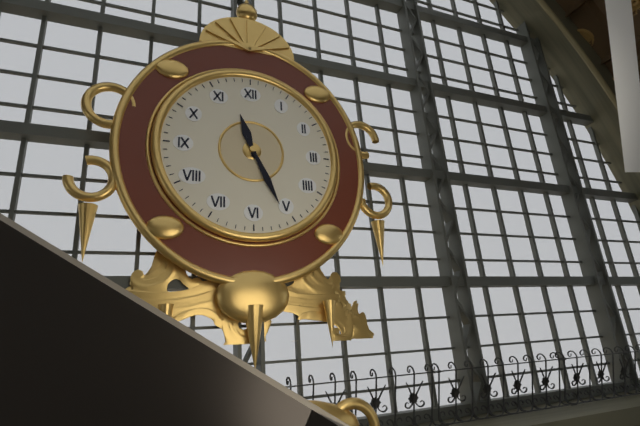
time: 11:26
